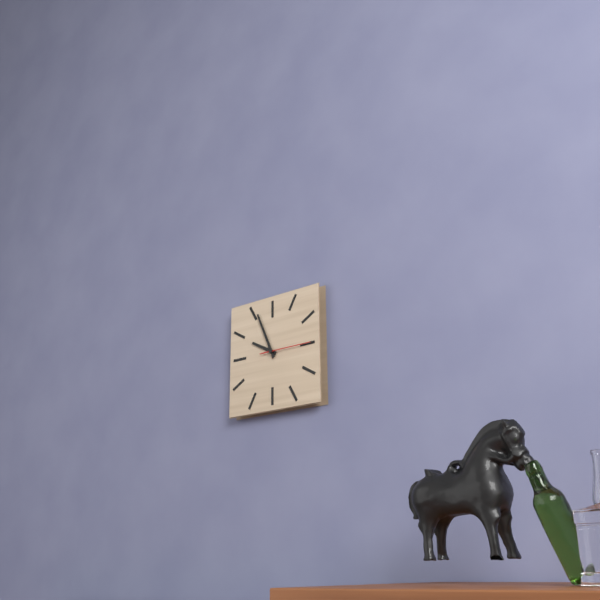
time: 9:56:15
